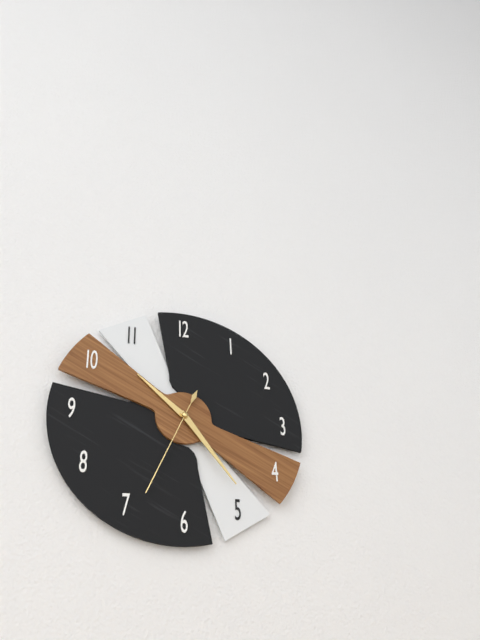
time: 10:24:34
